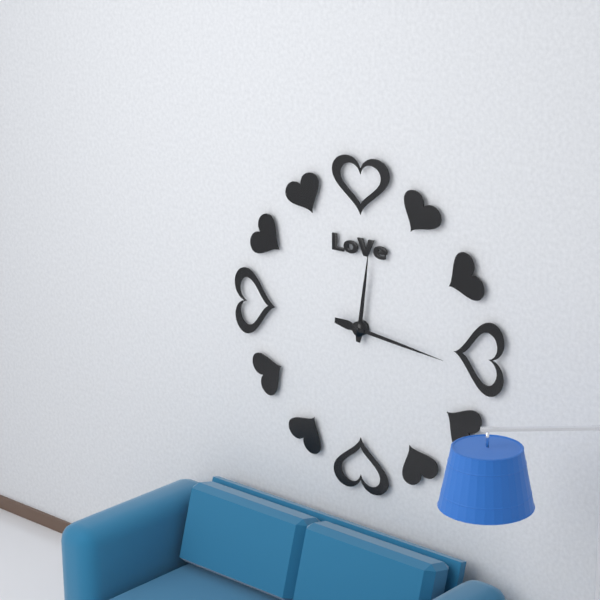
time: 12:16
